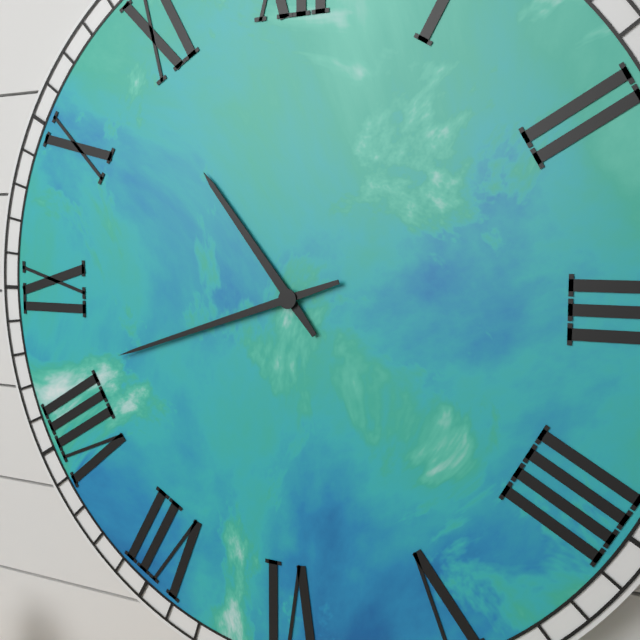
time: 10:42
